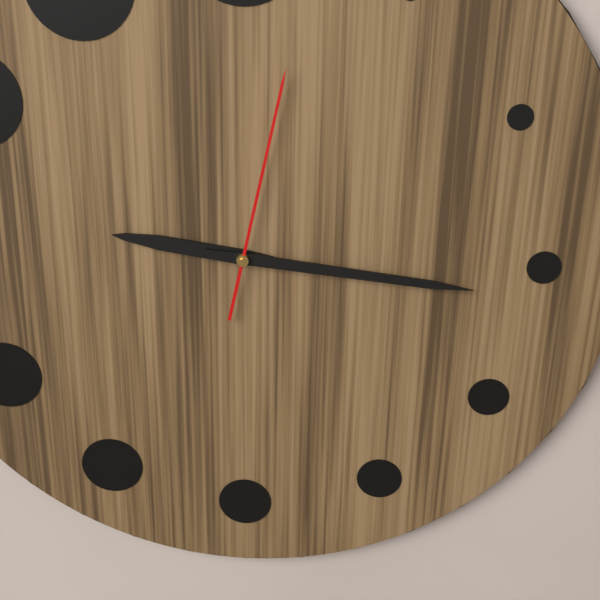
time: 9:16:02
